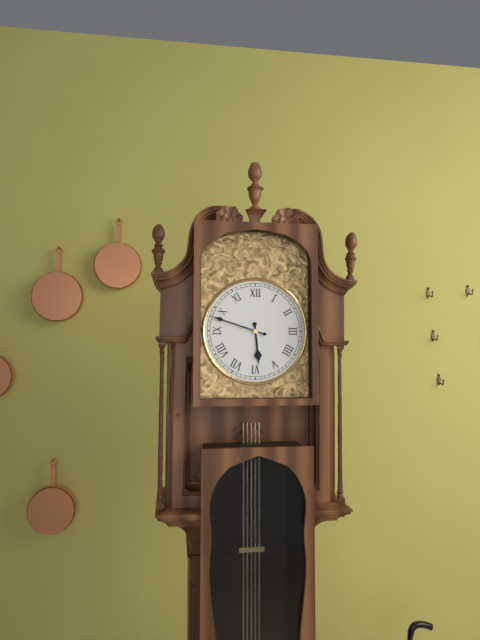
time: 5:48
